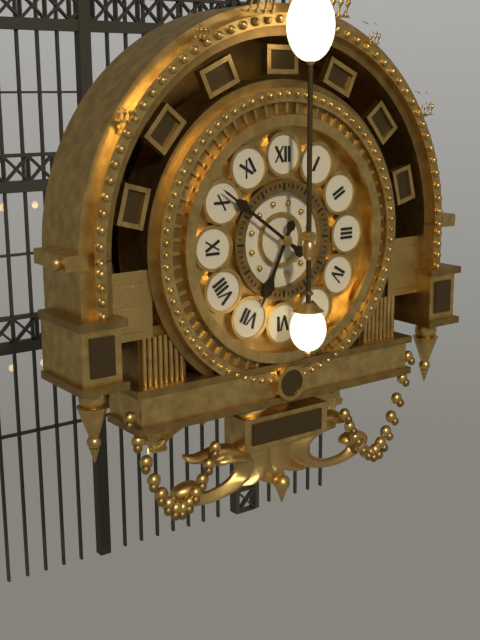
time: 6:51
